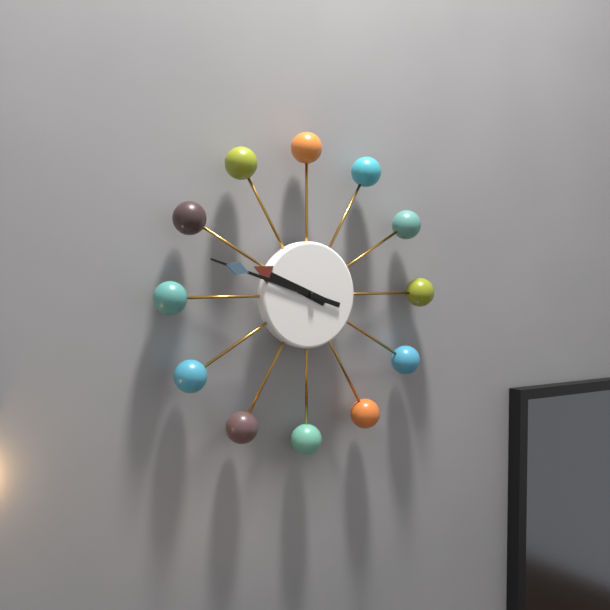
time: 9:48
